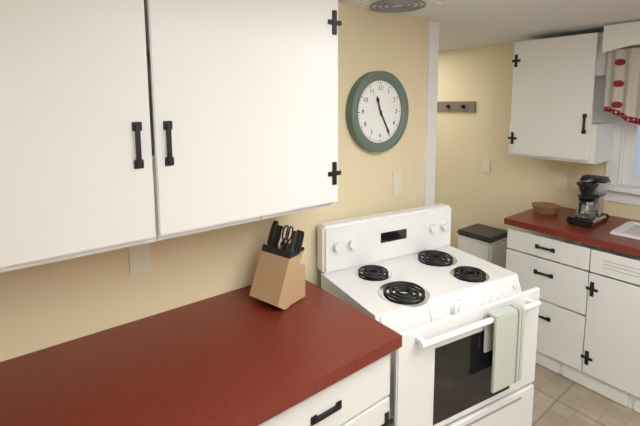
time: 11:25
